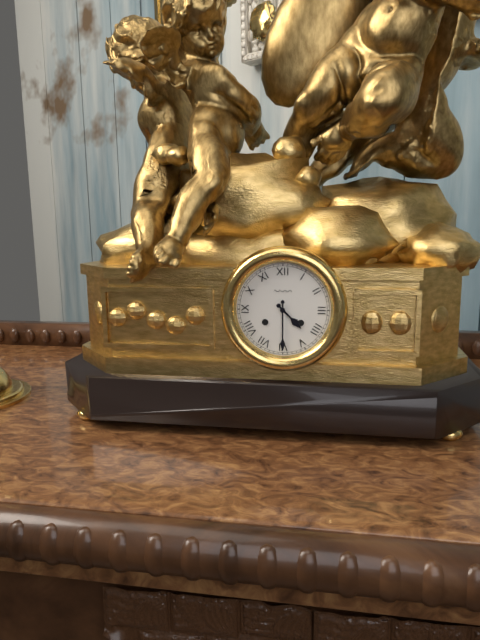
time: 4:30
